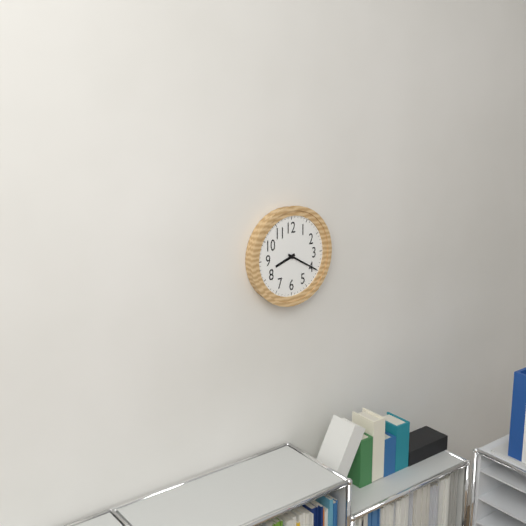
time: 8:20
